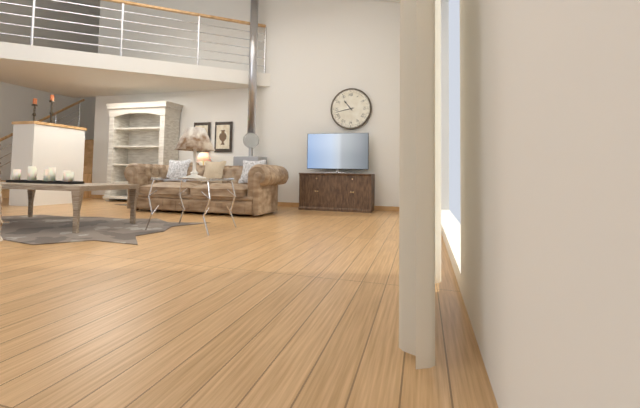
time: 10:43
